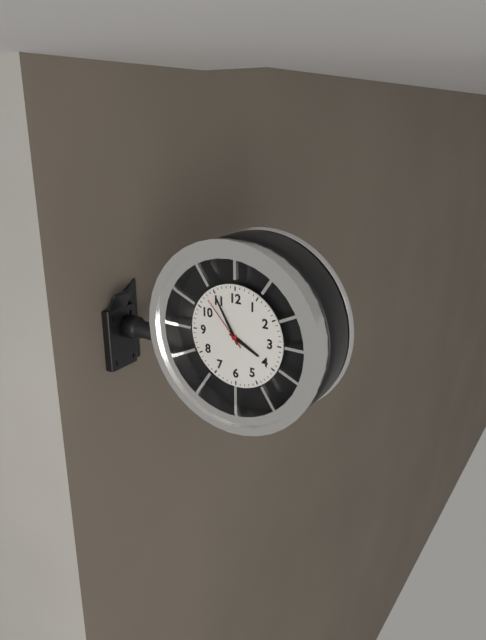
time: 3:55:53
